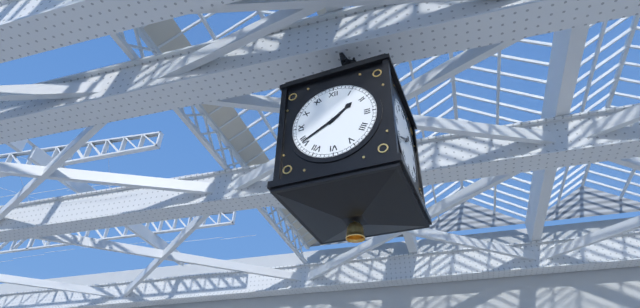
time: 1:40
